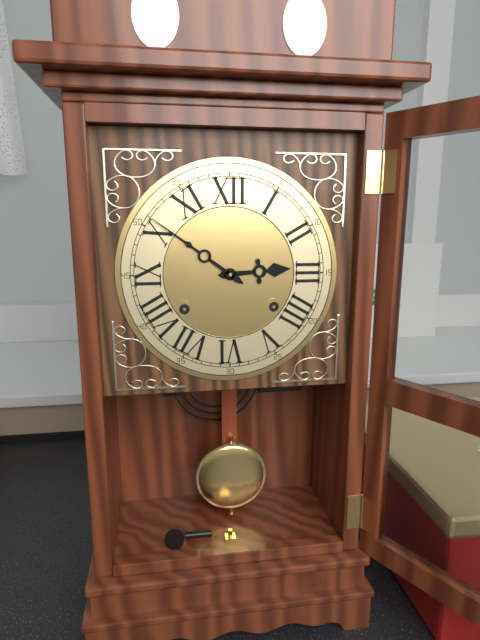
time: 2:51
